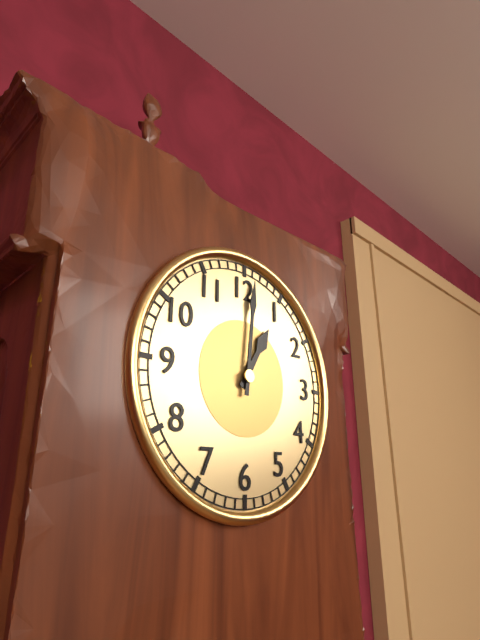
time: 1:01
